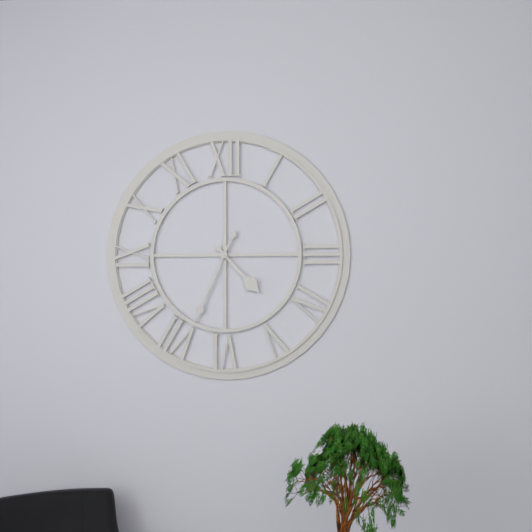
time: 4:34
